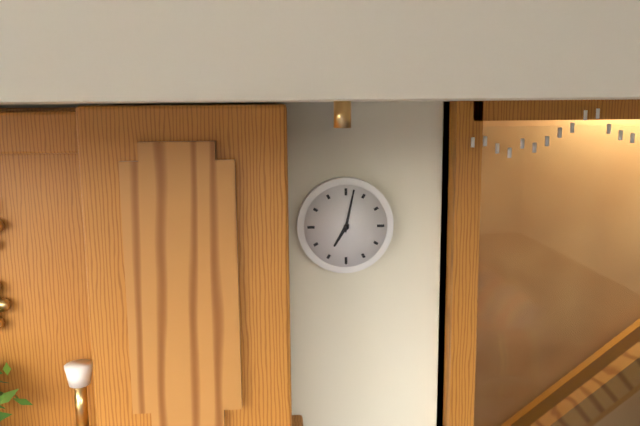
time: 7:02
